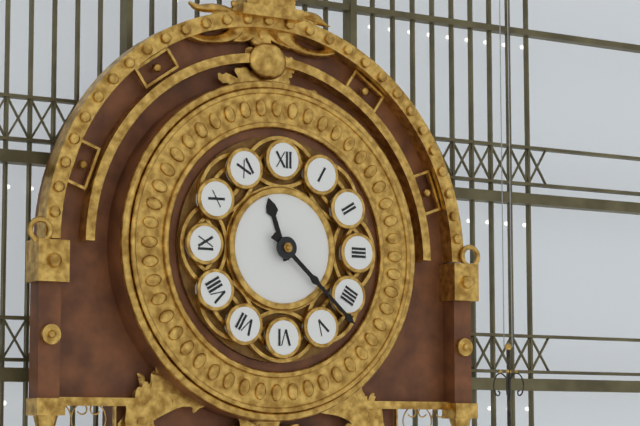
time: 11:22
